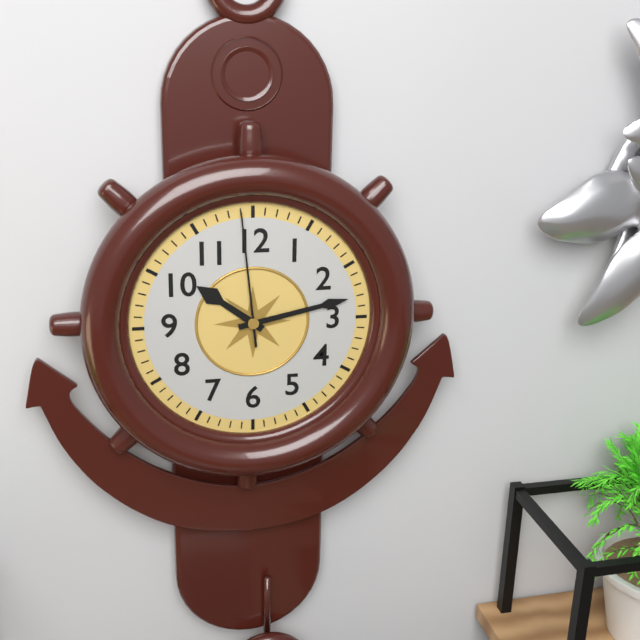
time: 10:13:59
